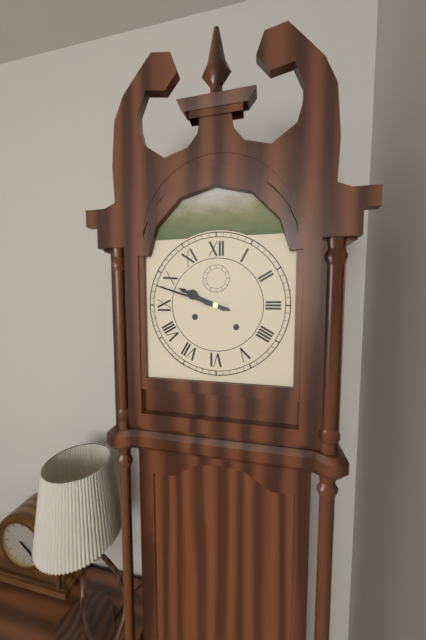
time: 9:48
